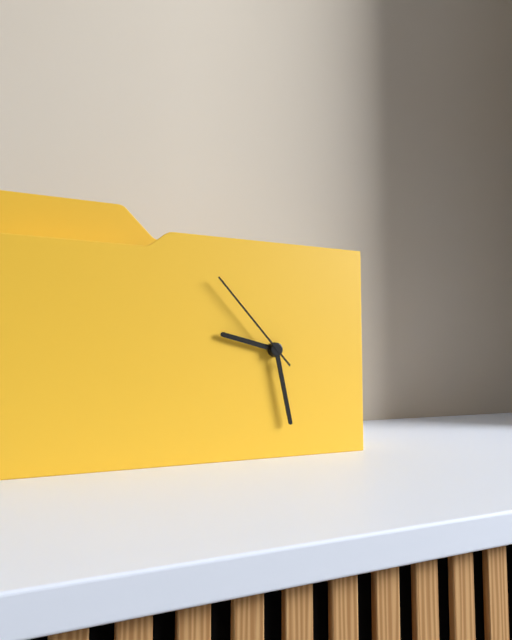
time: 9:28:53
